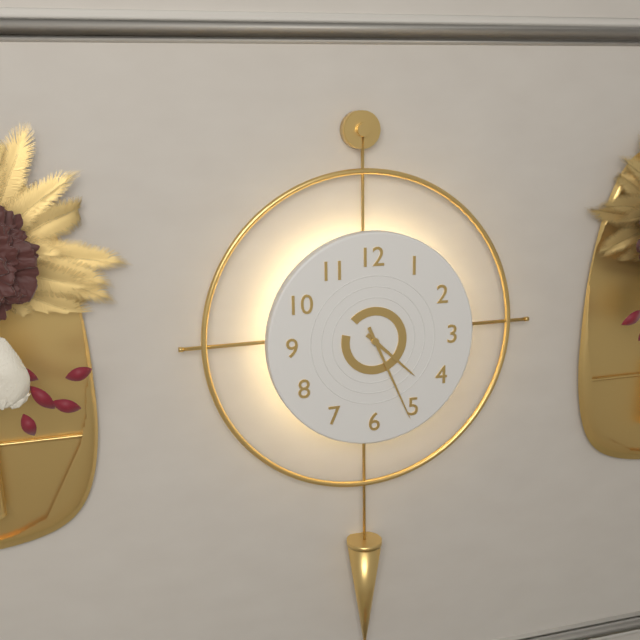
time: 4:26
